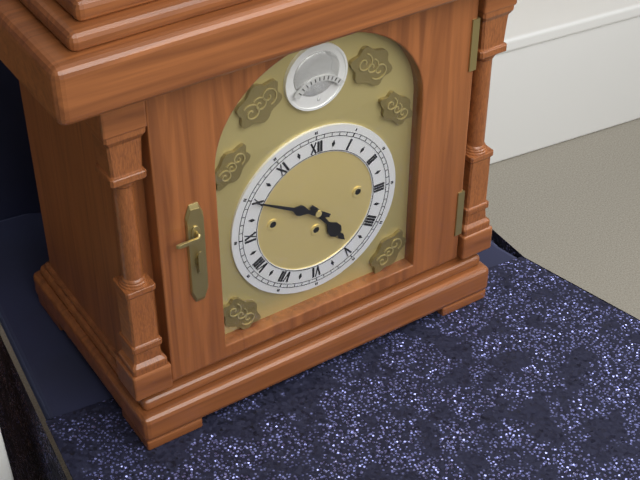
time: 4:50
